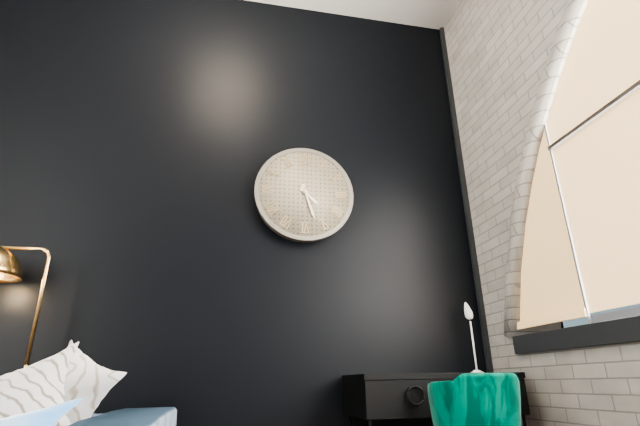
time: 4:27
